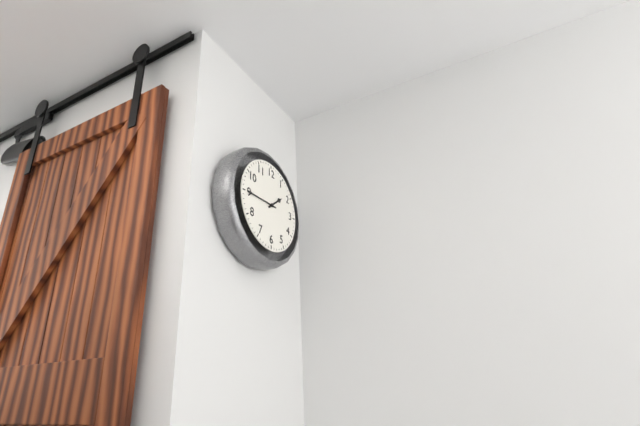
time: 1:45
